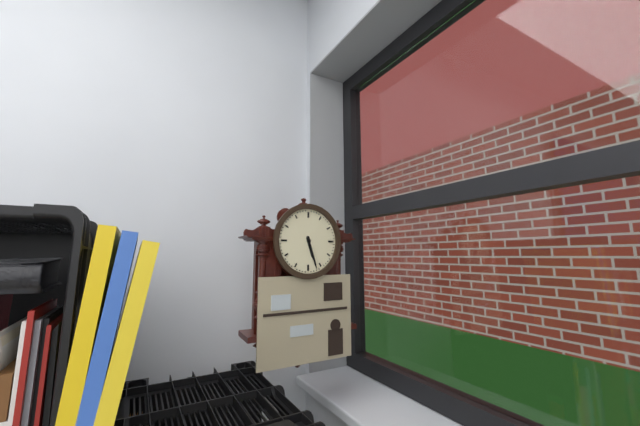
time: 5:27
